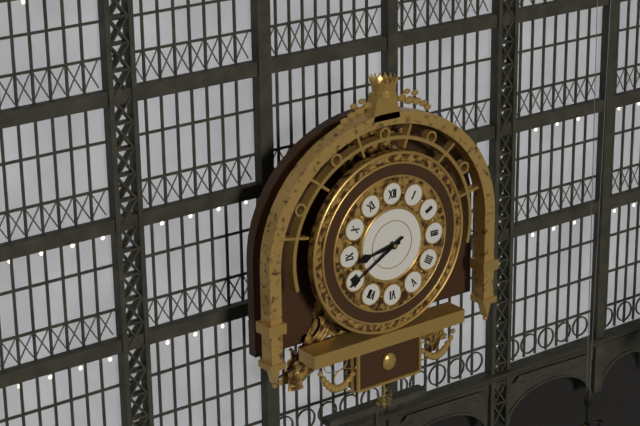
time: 8:40
